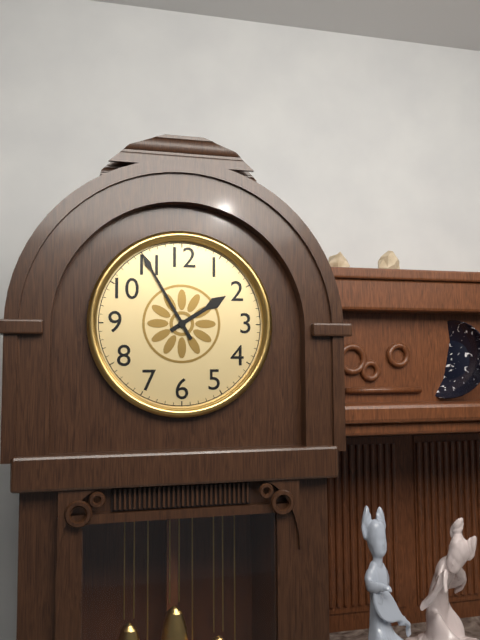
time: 1:55
